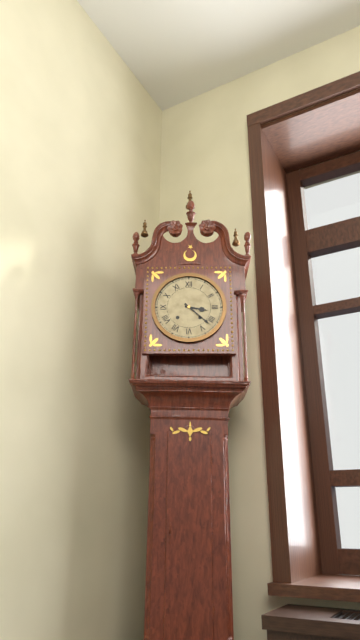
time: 3:22
